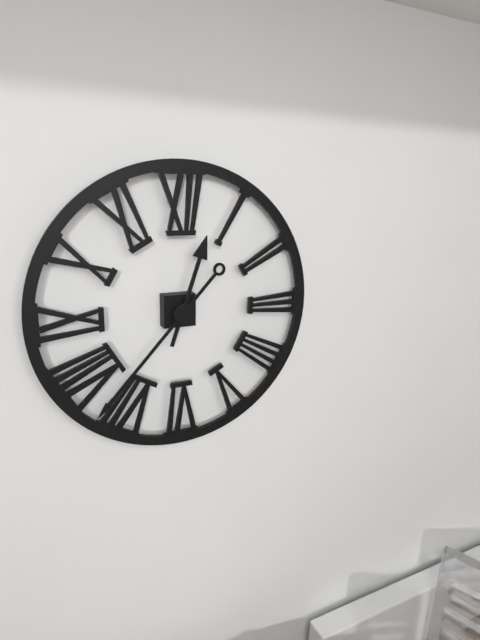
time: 12:37
